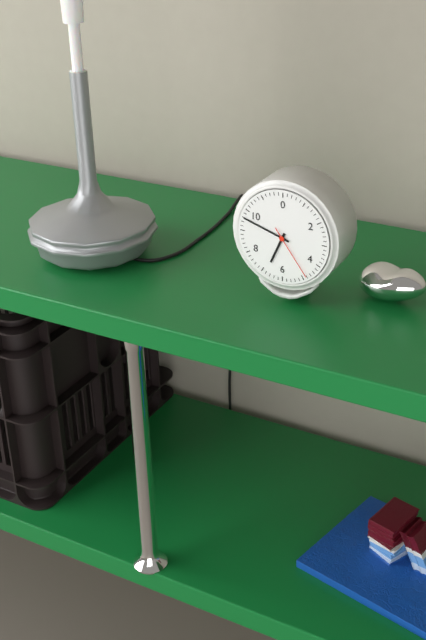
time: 6:48:24
